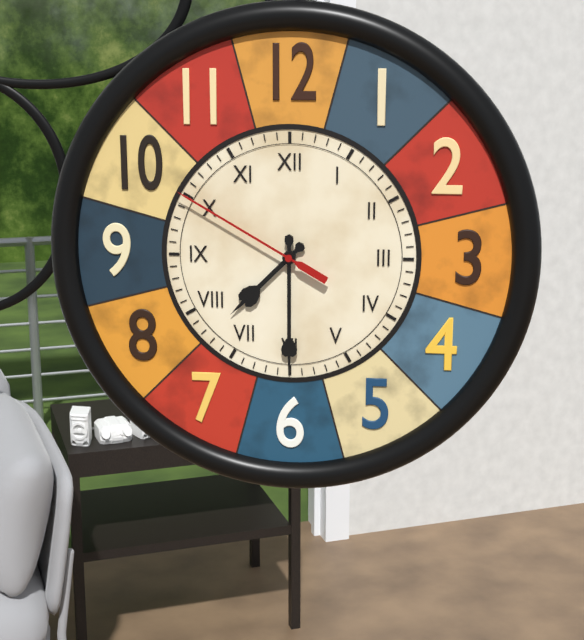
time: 7:30:50
